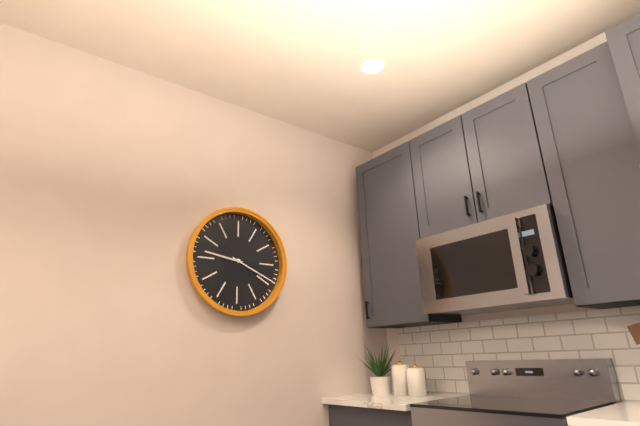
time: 9:19
